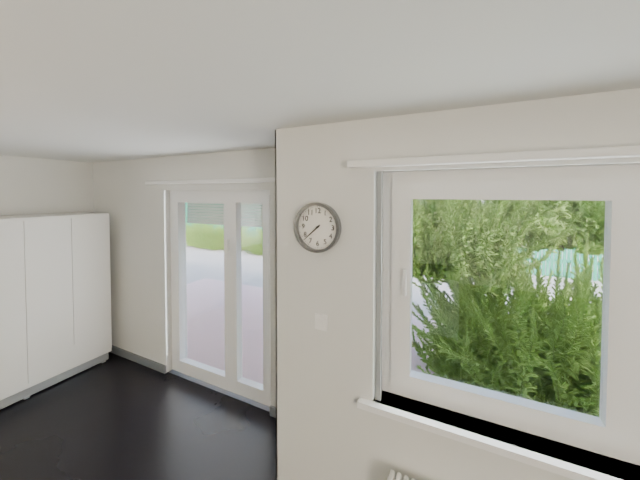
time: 7:38
